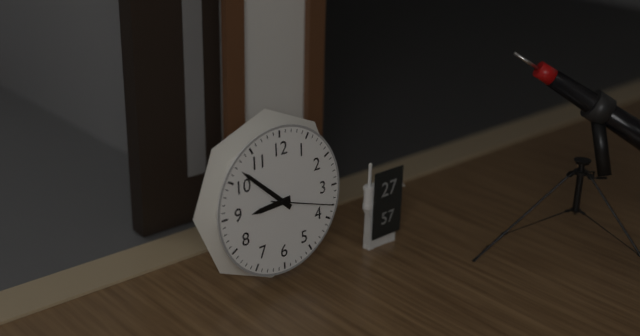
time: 8:52:18
